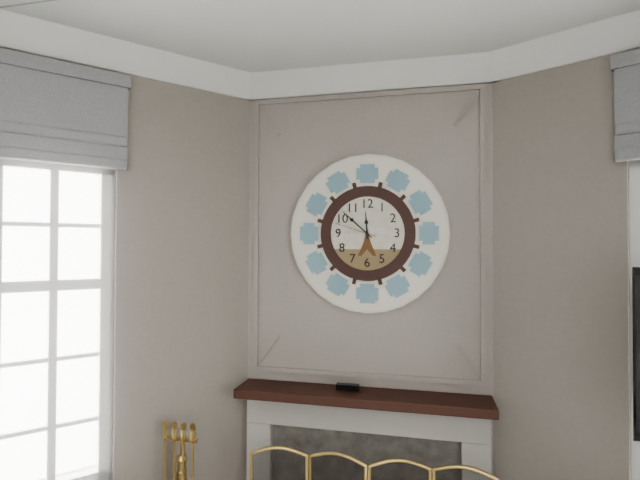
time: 11:52
